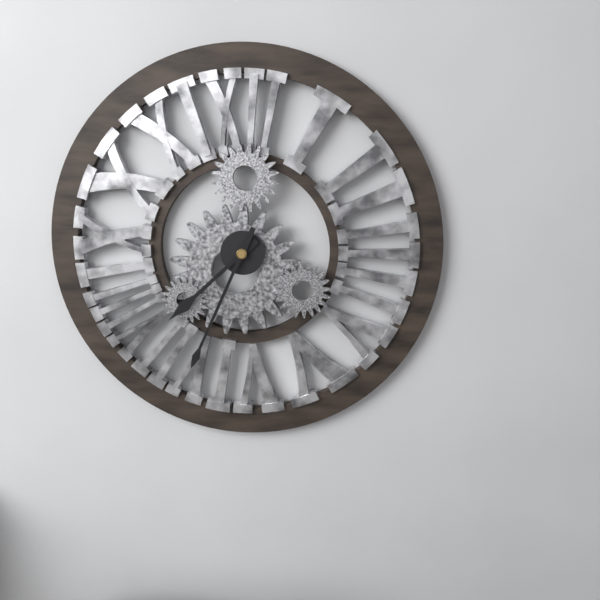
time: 7:34
